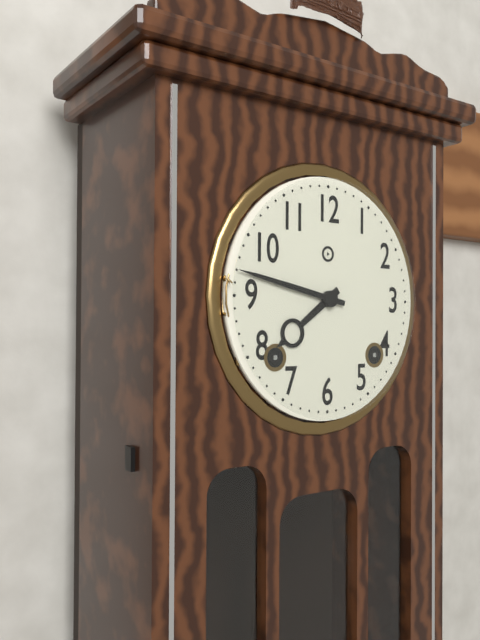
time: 7:47
